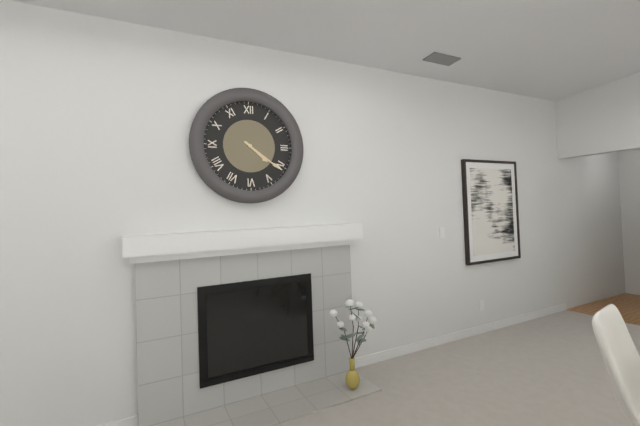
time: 4:21
